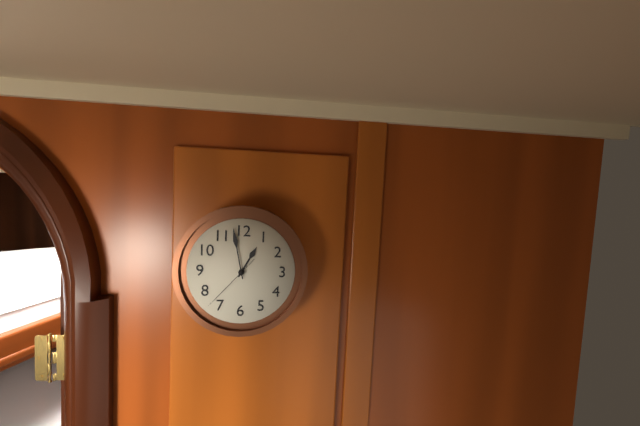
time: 12:58:37
